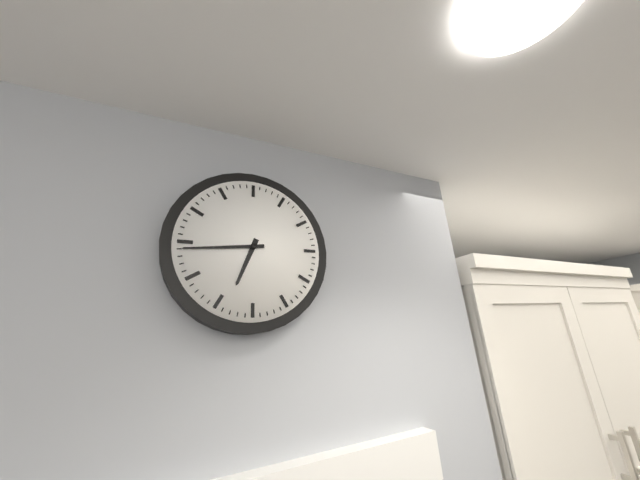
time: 6:44
